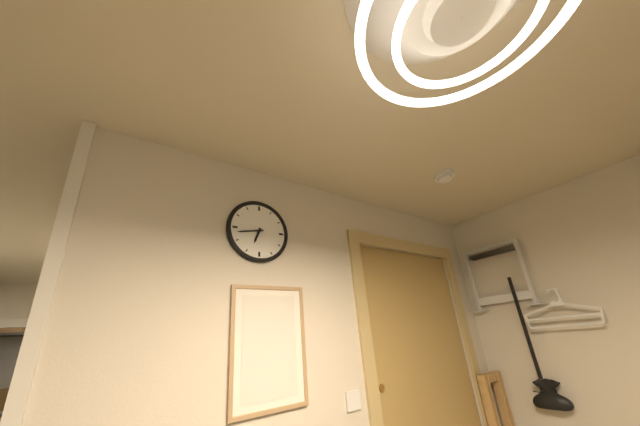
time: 6:43
